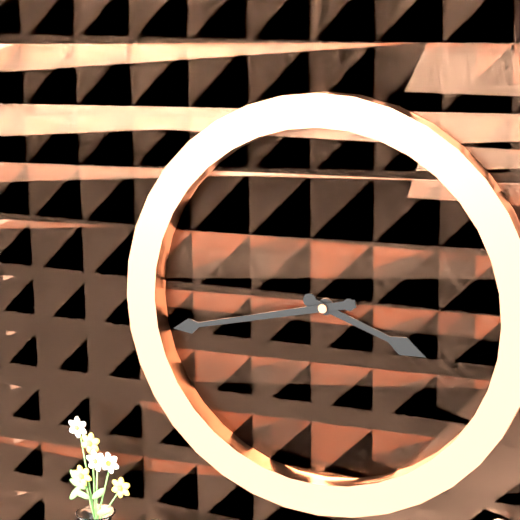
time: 3:43
